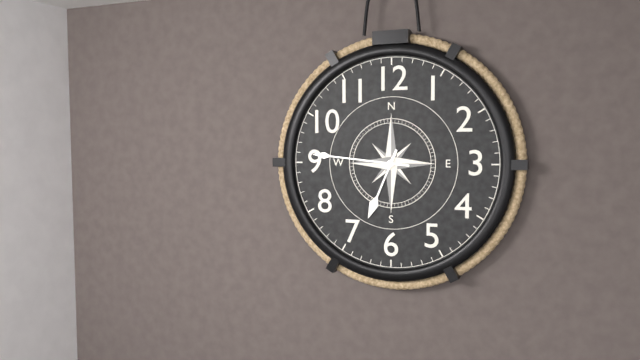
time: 6:46
